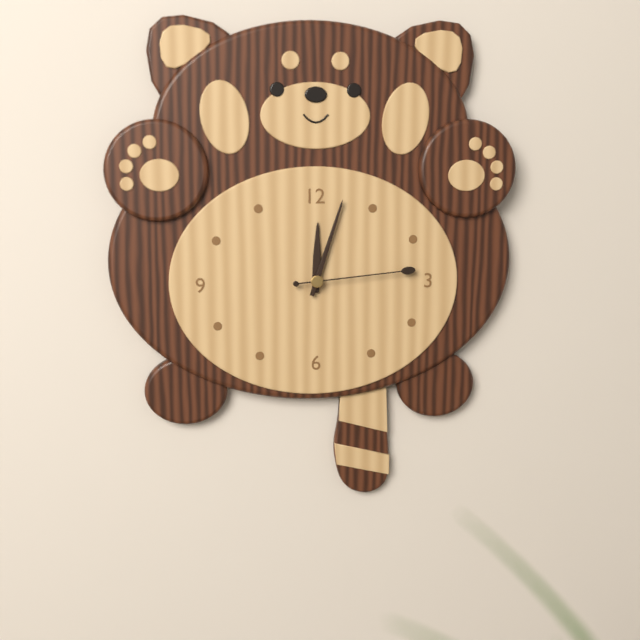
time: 12:03:14
